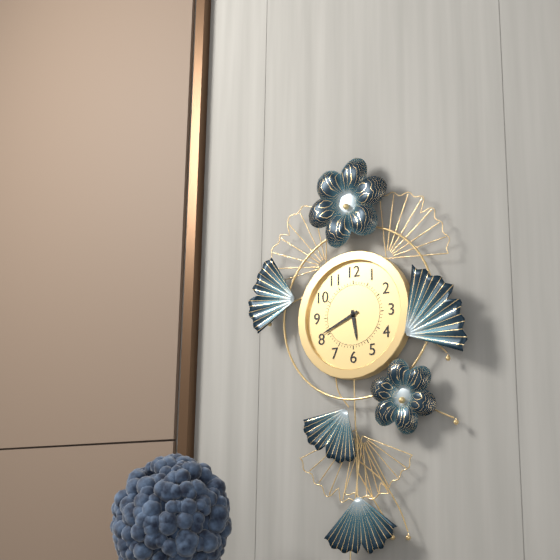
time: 5:41
